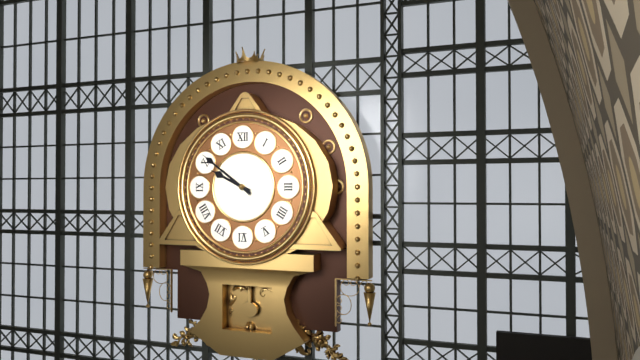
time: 9:51
